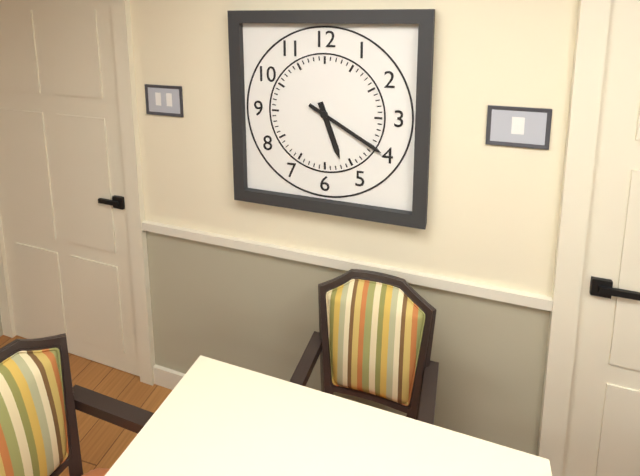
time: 5:20
